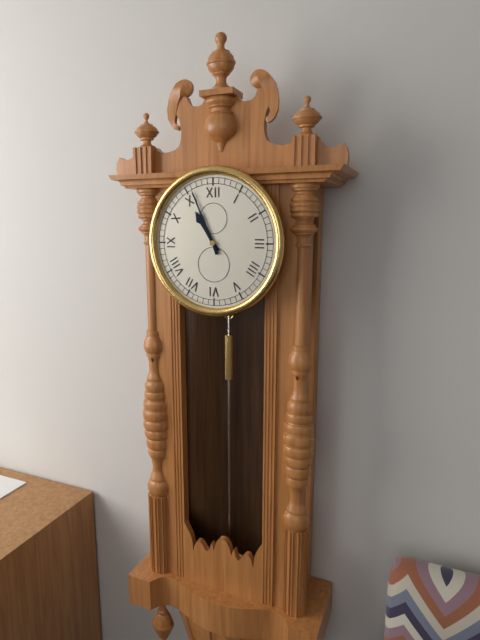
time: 10:56
